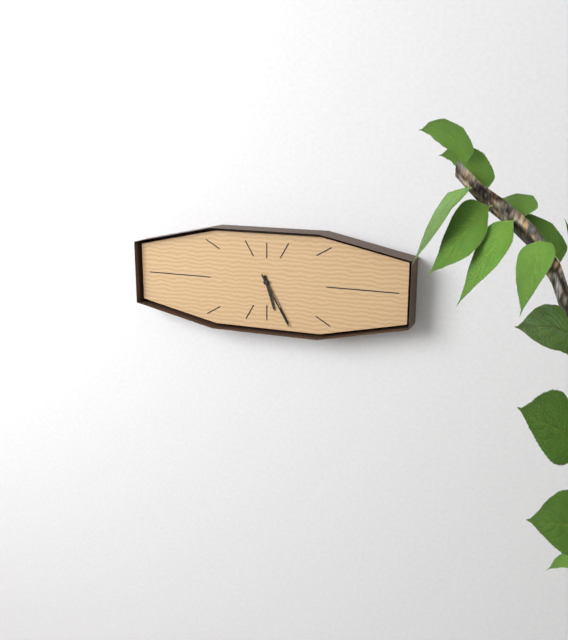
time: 5:25
